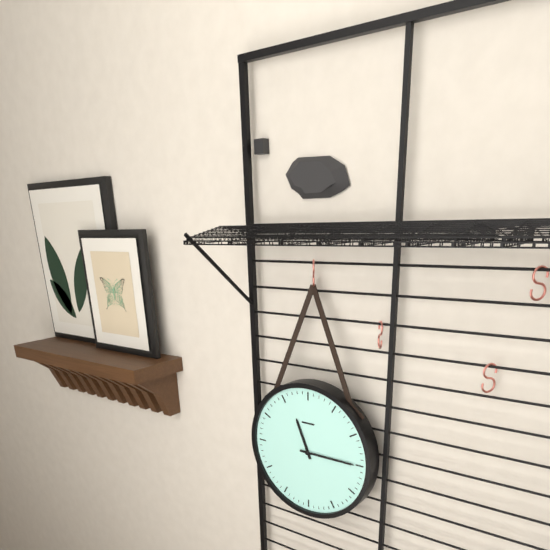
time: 11:15
